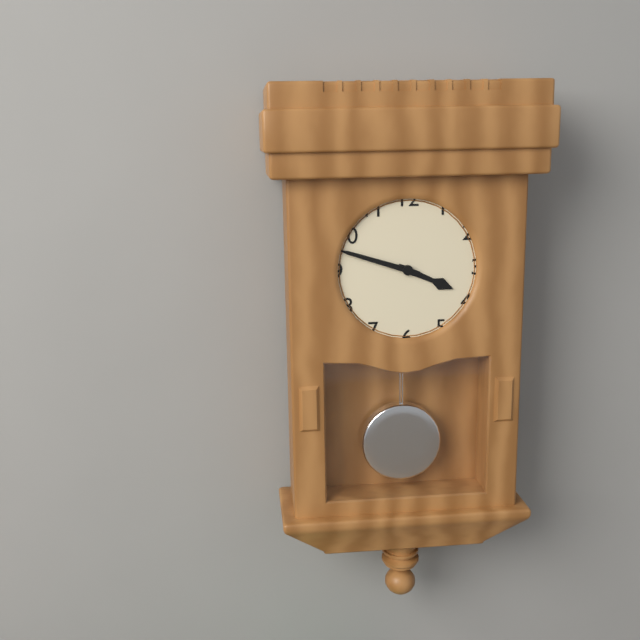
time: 3:48
